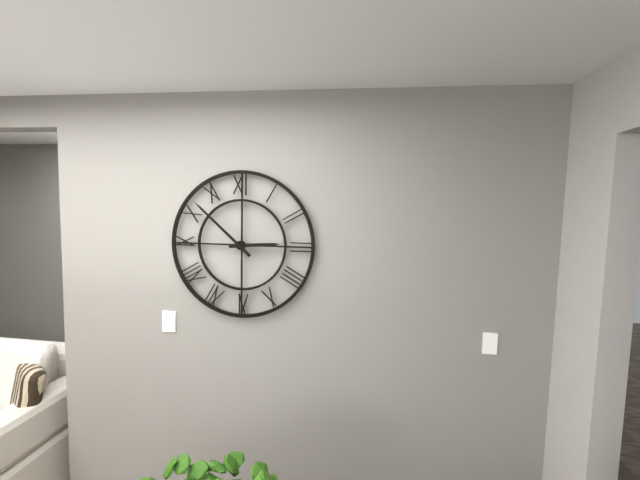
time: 2:52
